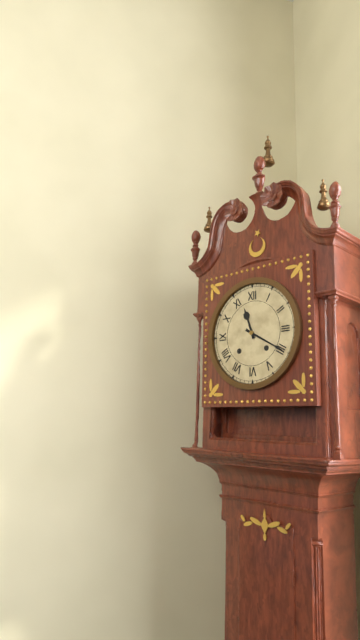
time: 11:20
